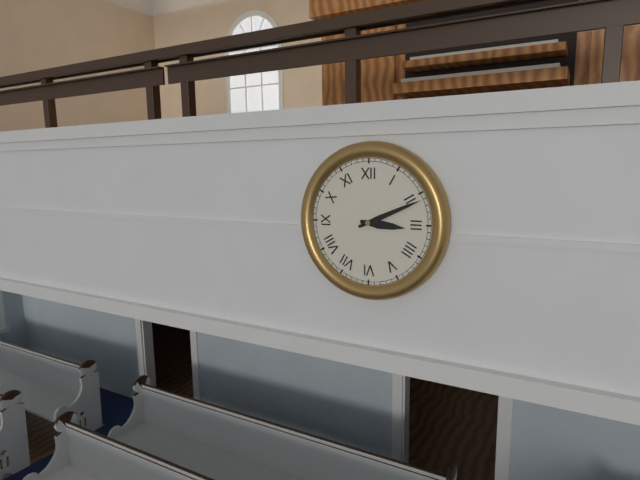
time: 3:11
